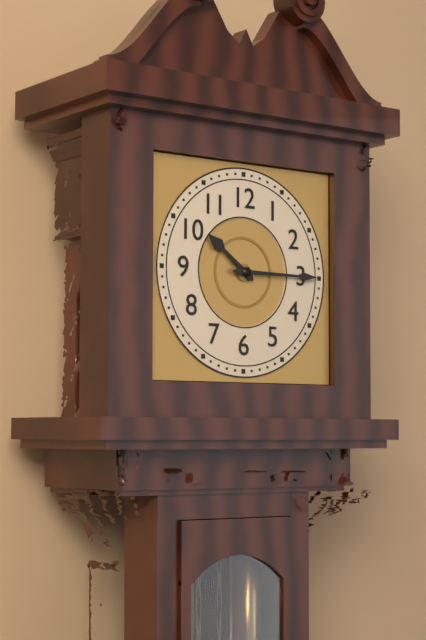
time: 10:15
